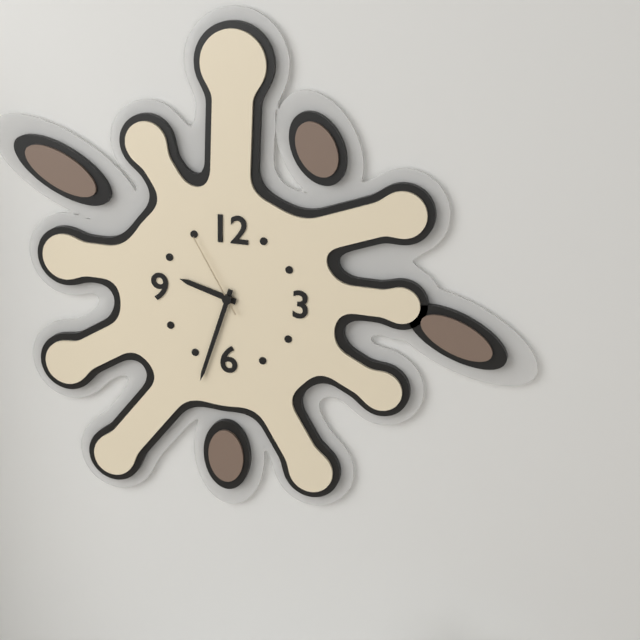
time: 9:33:55
